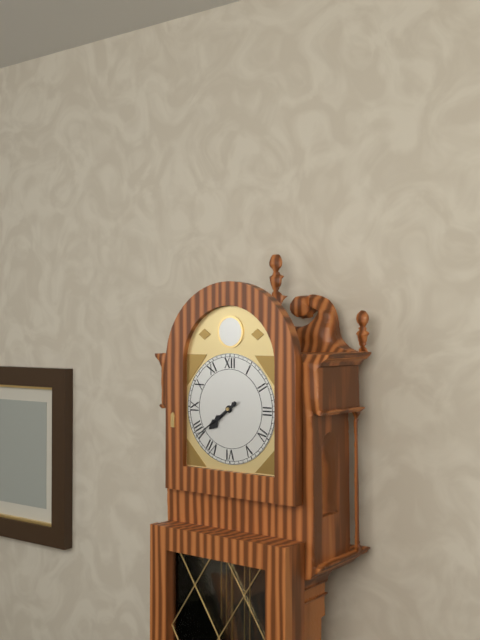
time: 7:39
